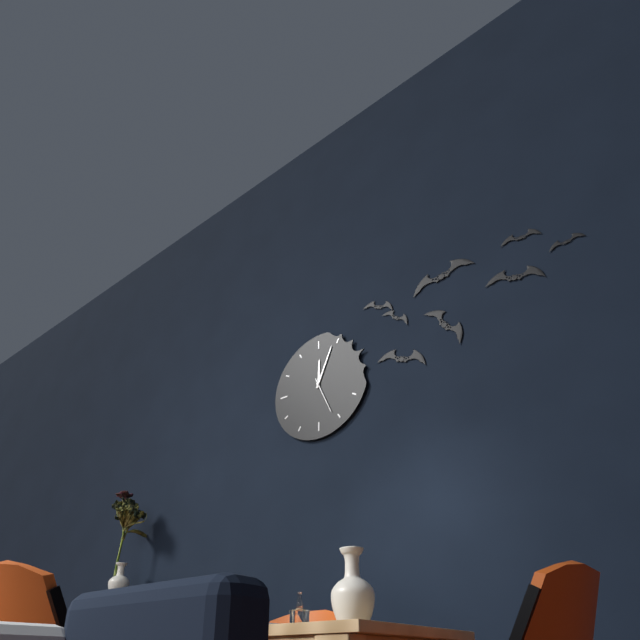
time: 12:04
